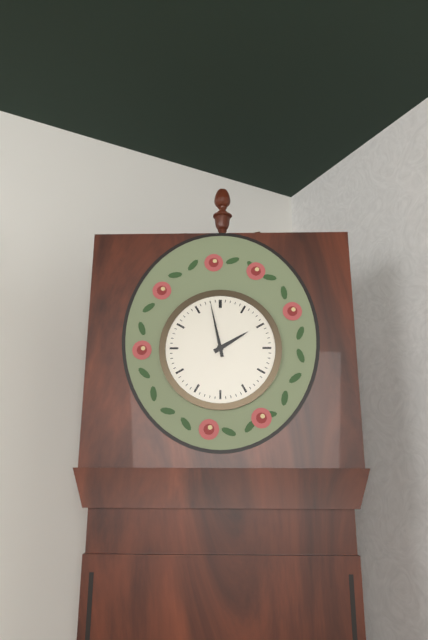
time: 1:58
